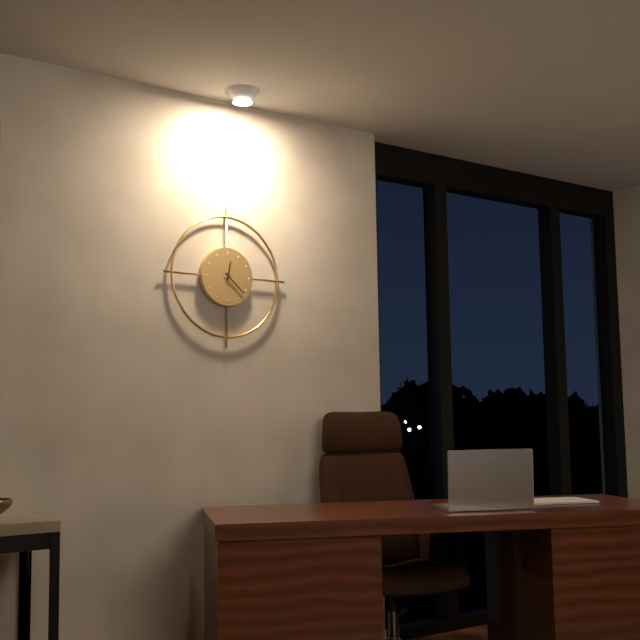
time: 12:22
